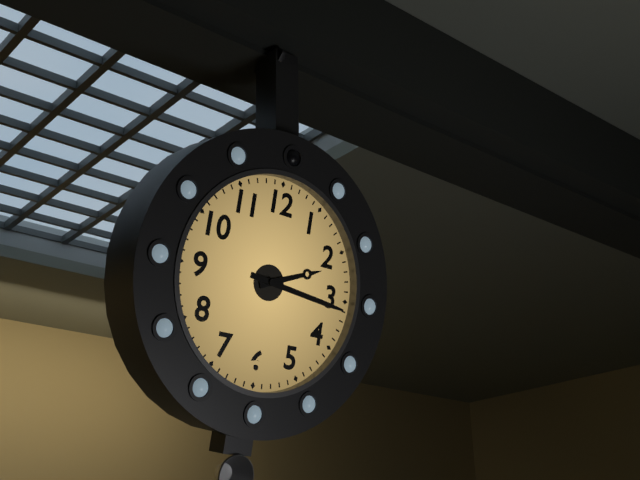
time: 2:16
